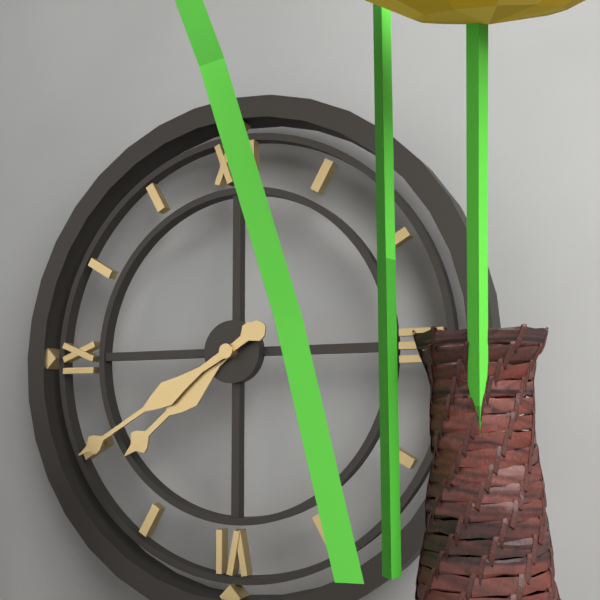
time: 7:40
